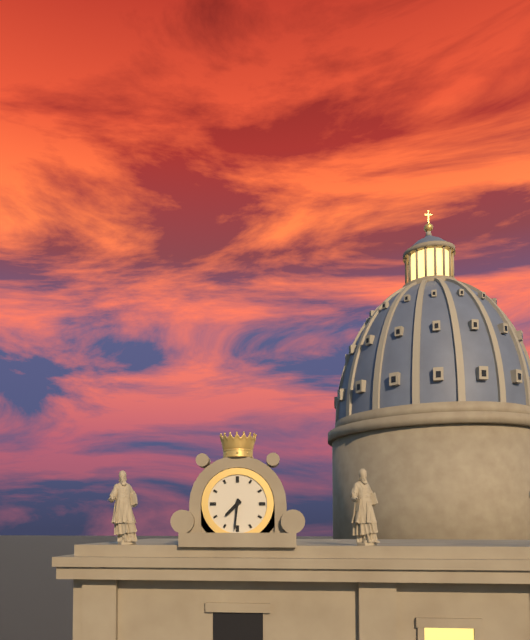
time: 7:31
